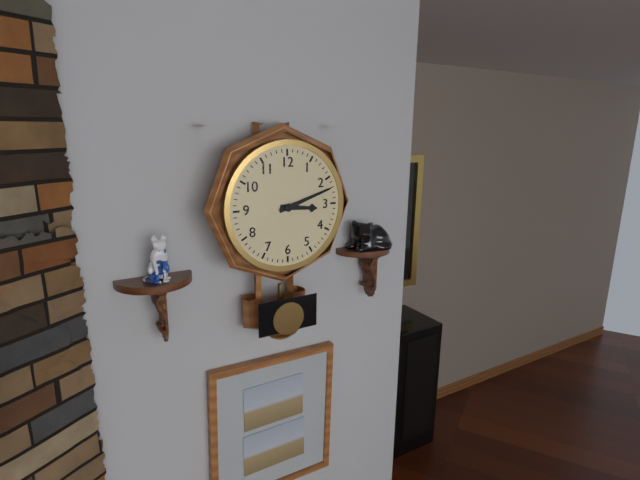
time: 3:12
